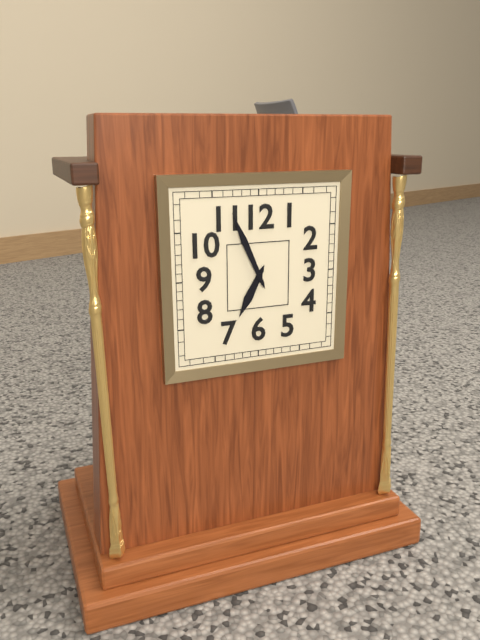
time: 6:56
